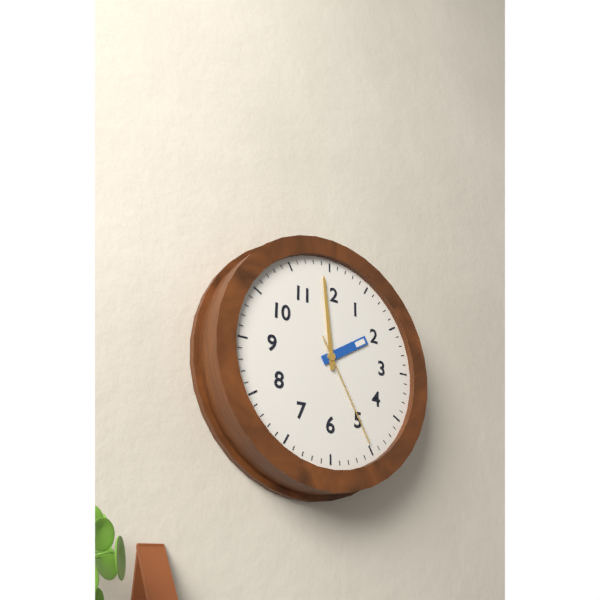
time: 1:59:25
